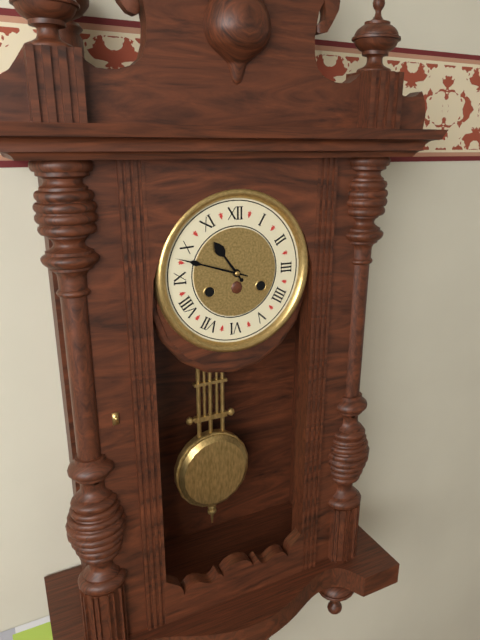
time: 10:48
